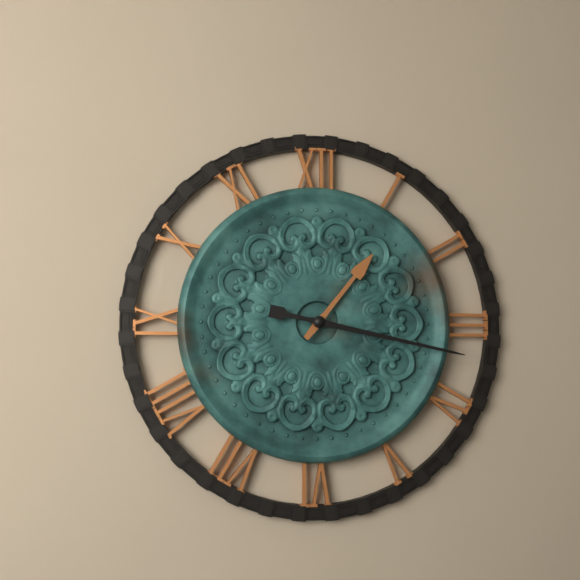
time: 1:17
